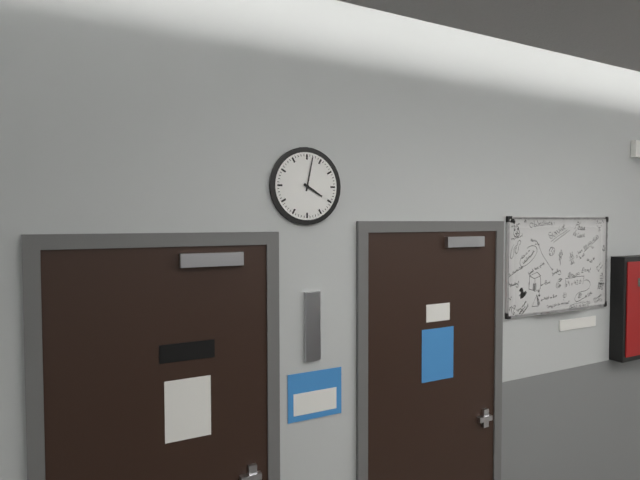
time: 4:02
